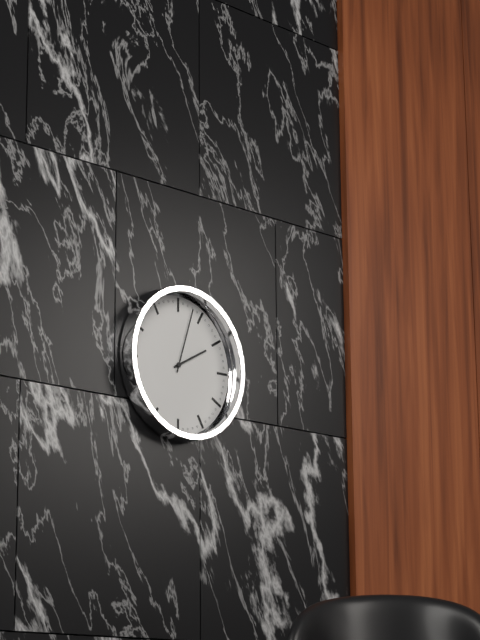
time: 2:03
